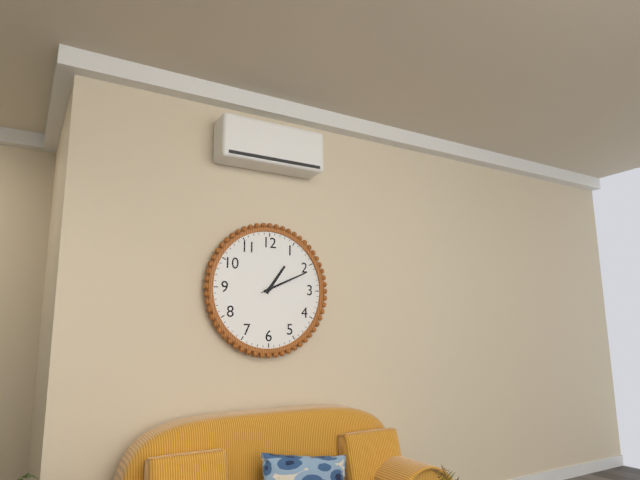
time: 1:11
